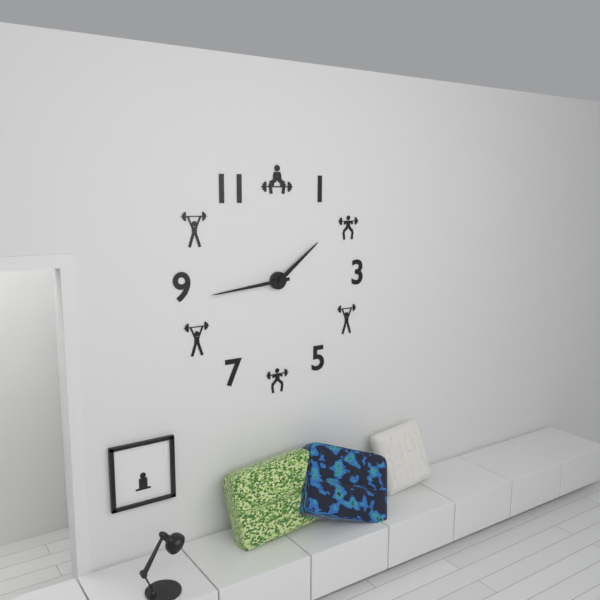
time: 1:44
